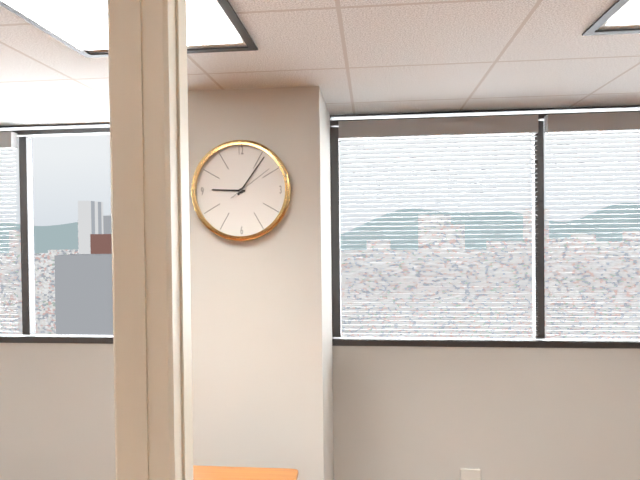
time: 9:06
